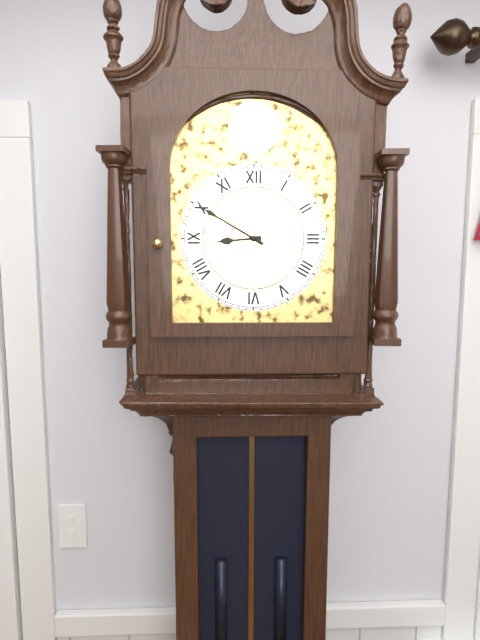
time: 8:50
